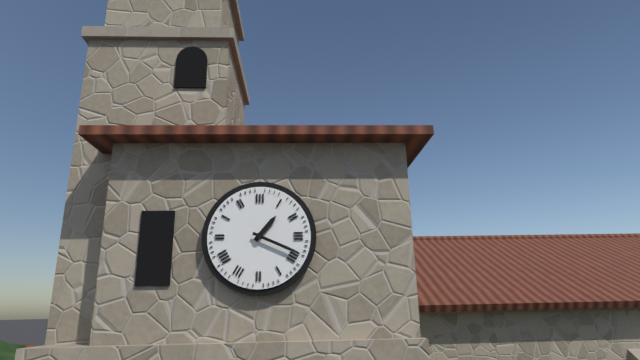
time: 1:19
